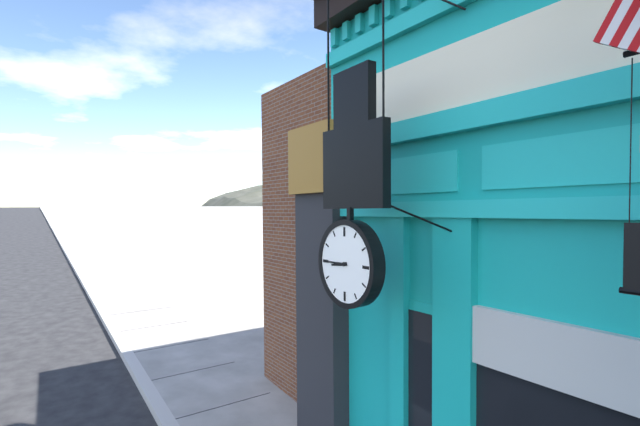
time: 8:45
